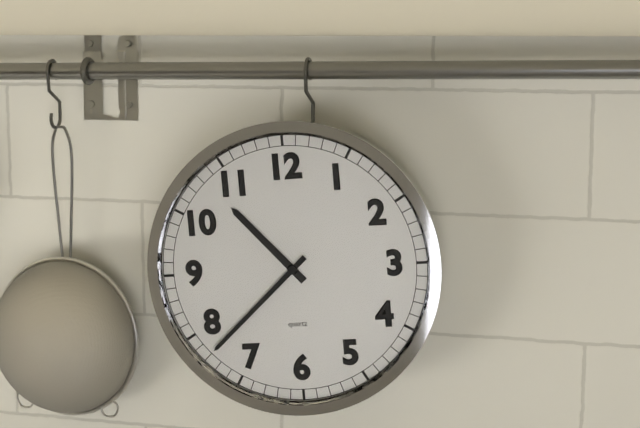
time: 10:38
